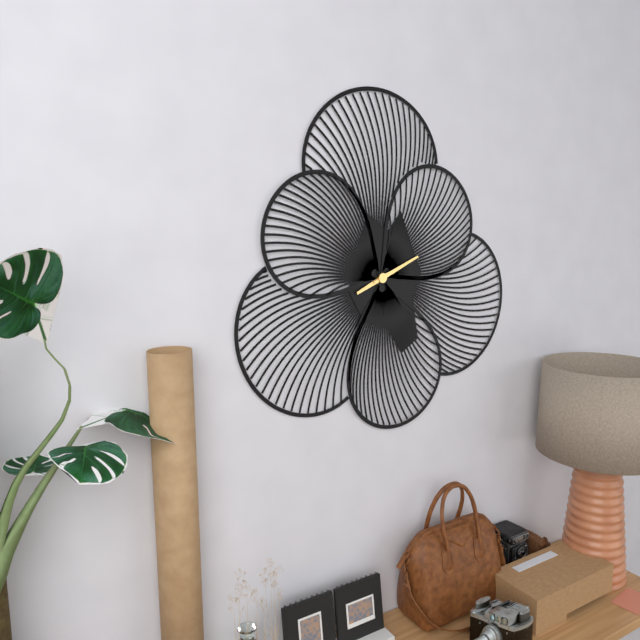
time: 8:11
